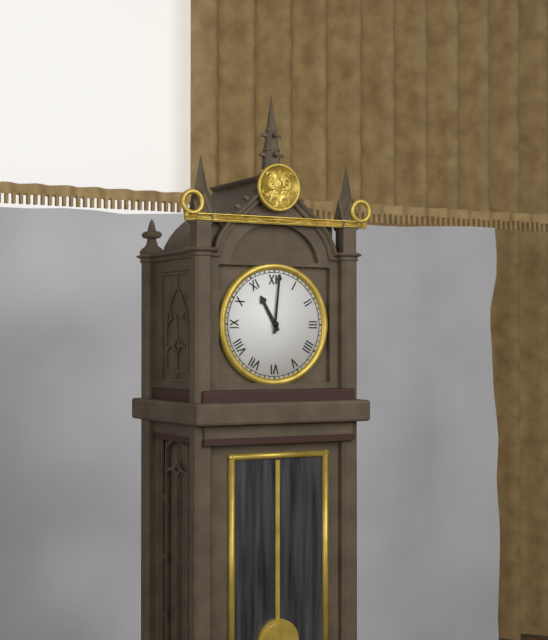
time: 11:01
